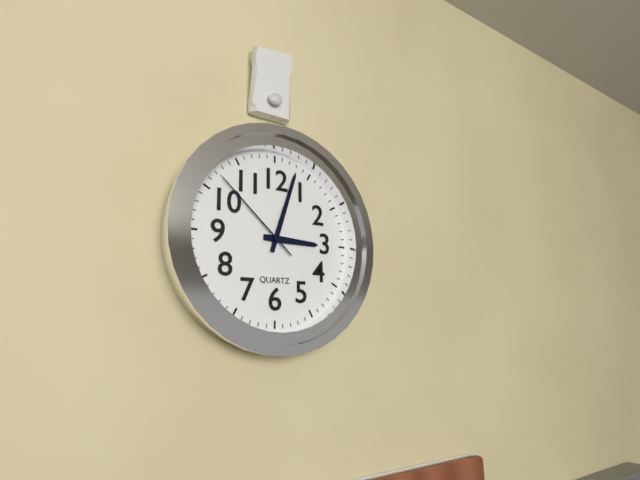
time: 3:03:52
